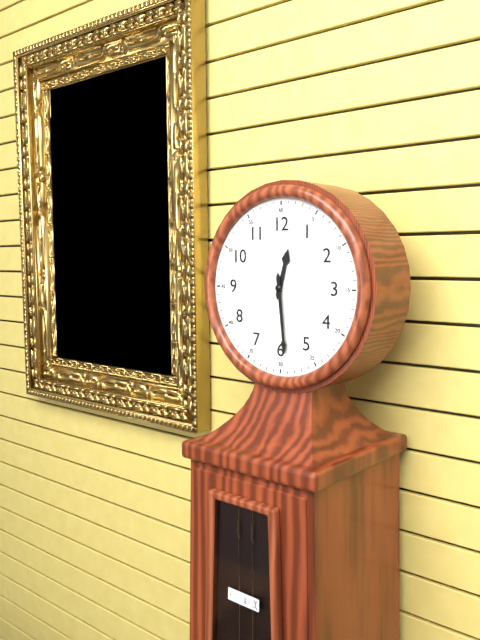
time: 12:29
